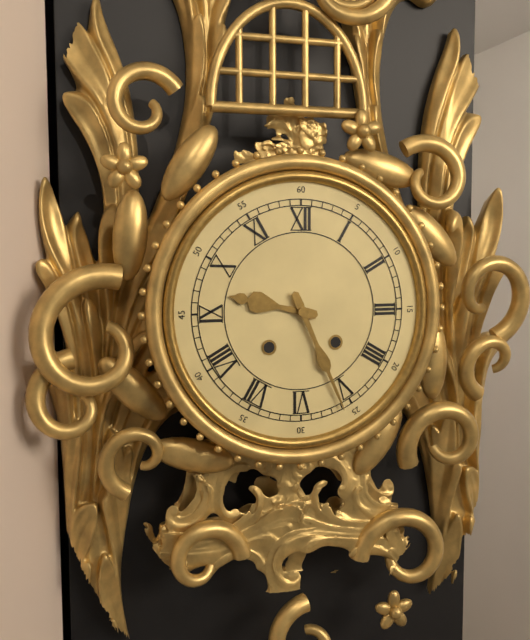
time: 9:26
